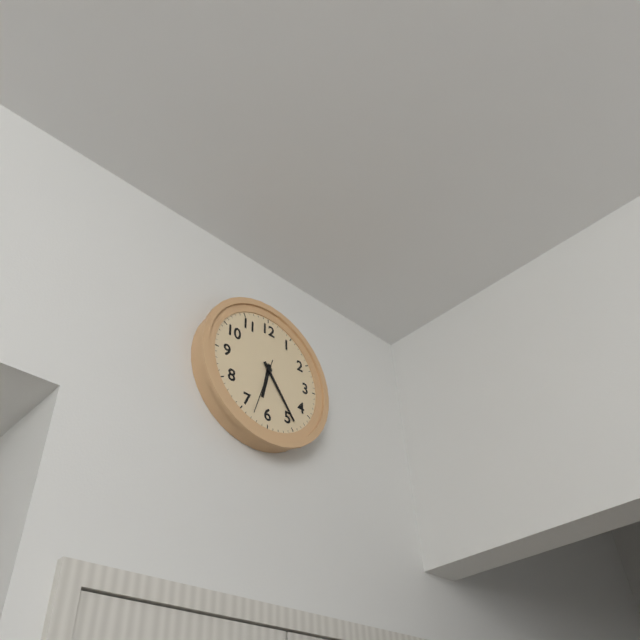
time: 6:24:33
